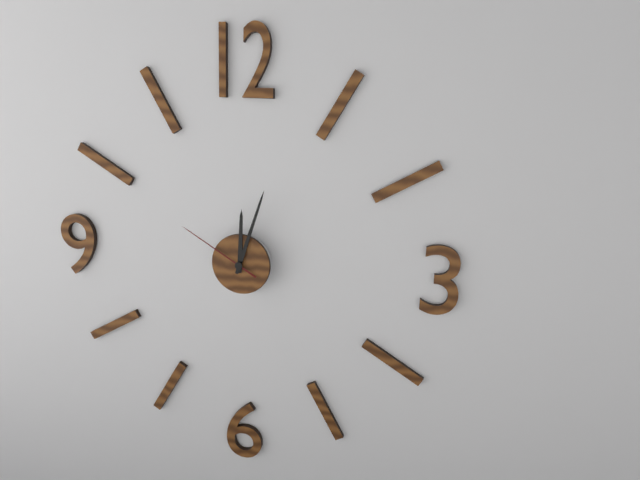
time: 12:03:50
